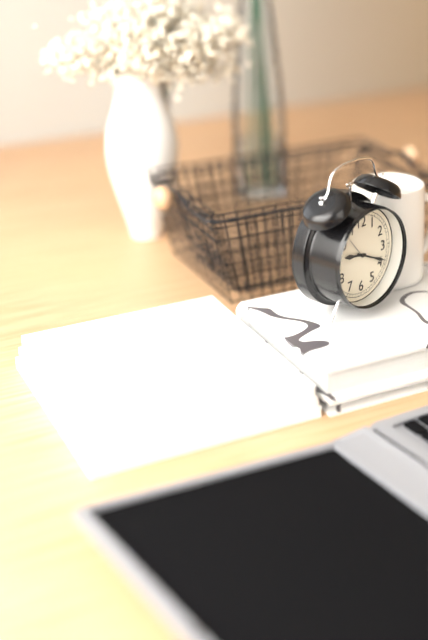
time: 9:19
